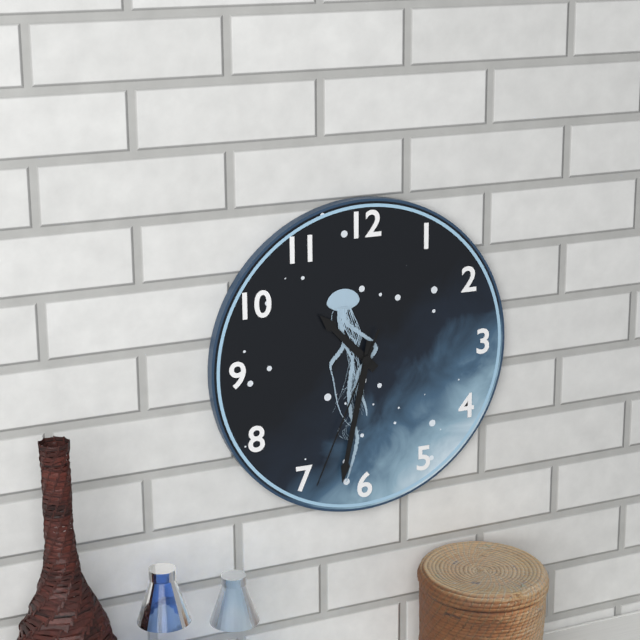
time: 10:32:34
